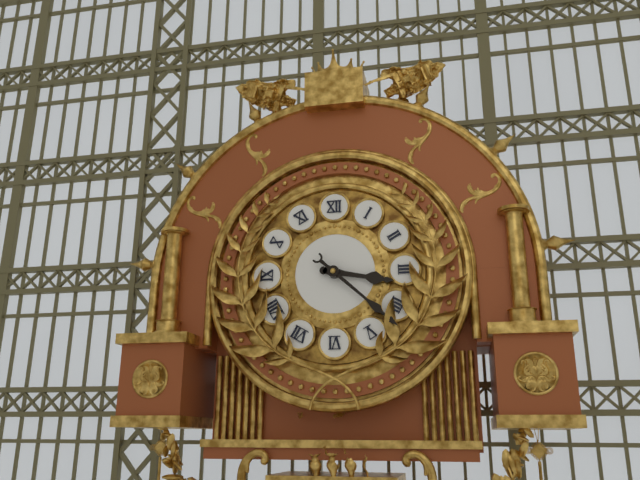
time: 3:22
